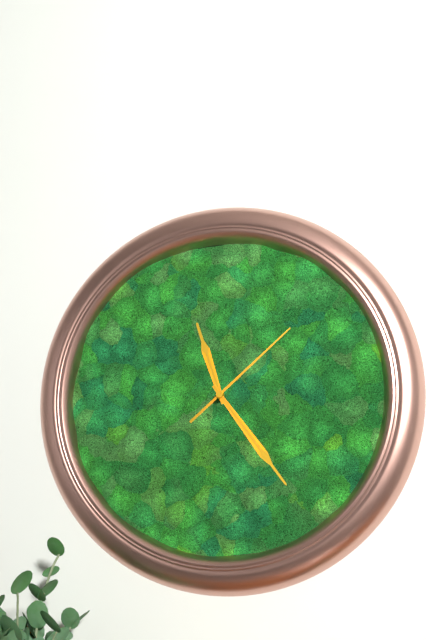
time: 11:24:08
